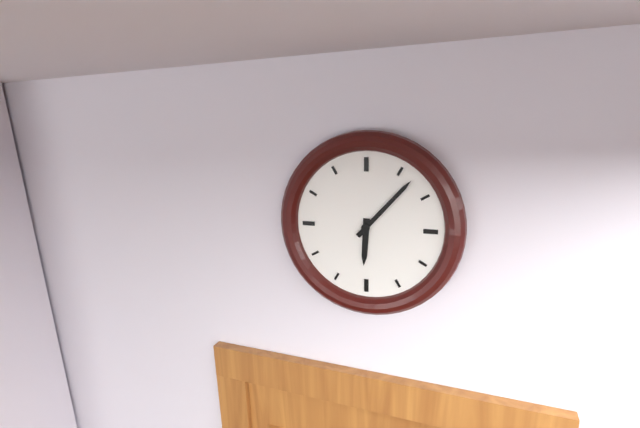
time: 6:07
